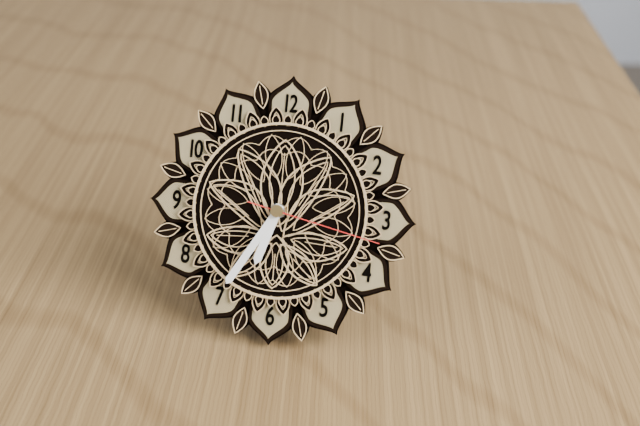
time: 6:35:17
